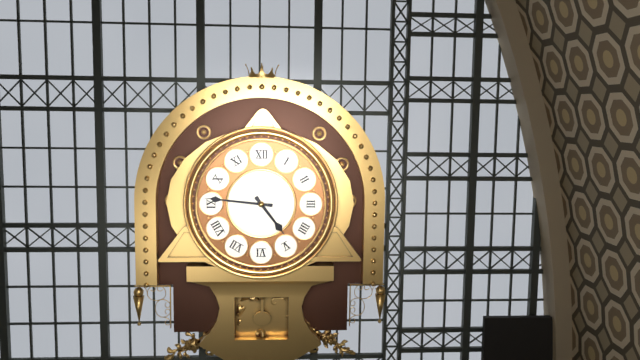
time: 4:46
